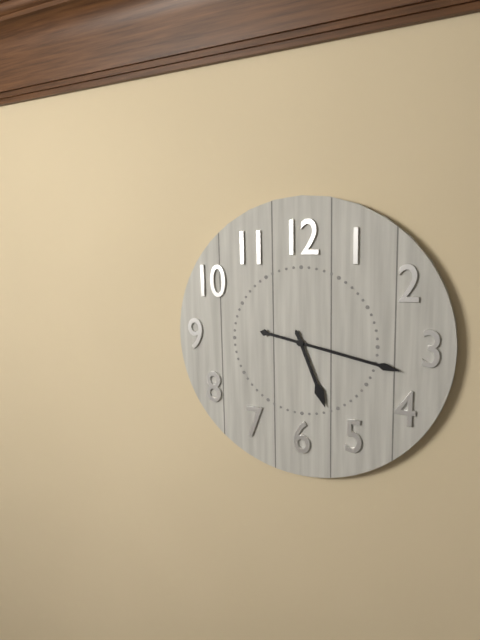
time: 5:17
